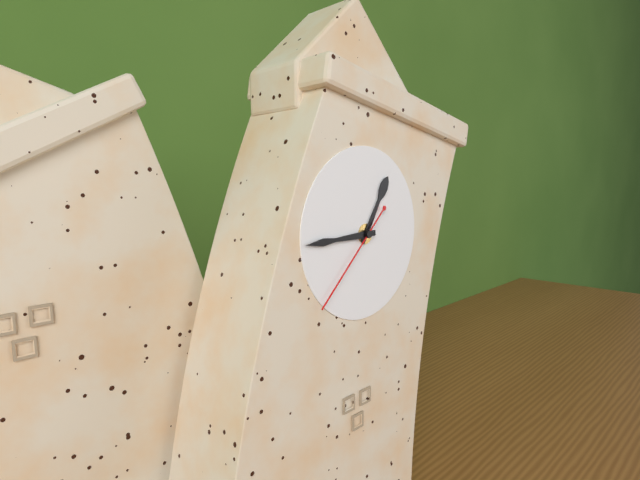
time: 12:43:36
